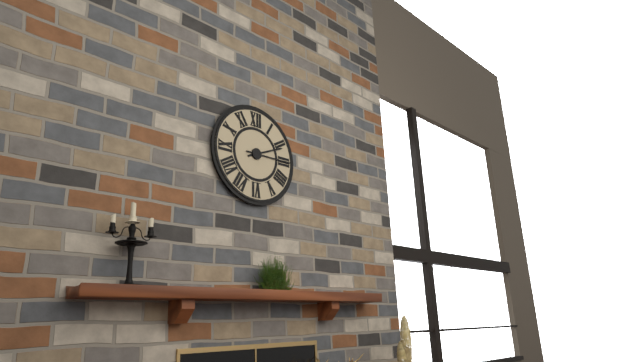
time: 2:15
